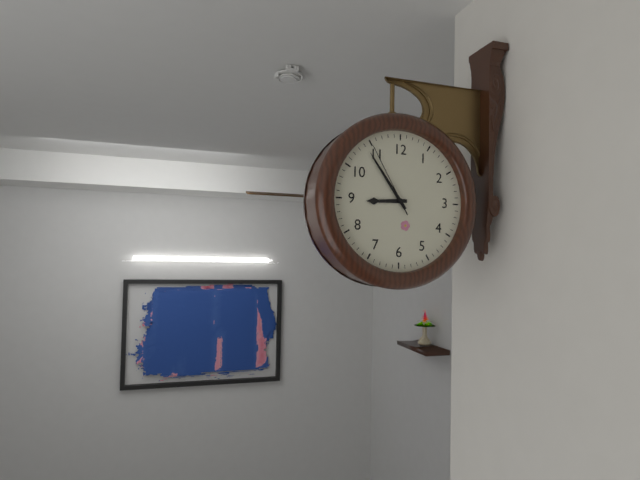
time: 8:54:55
